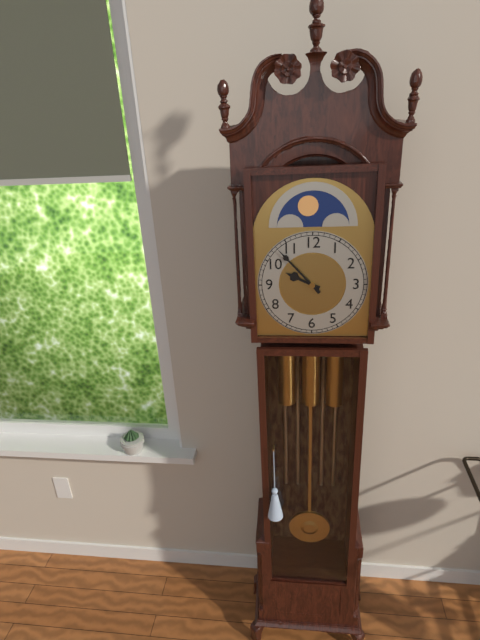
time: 9:53
